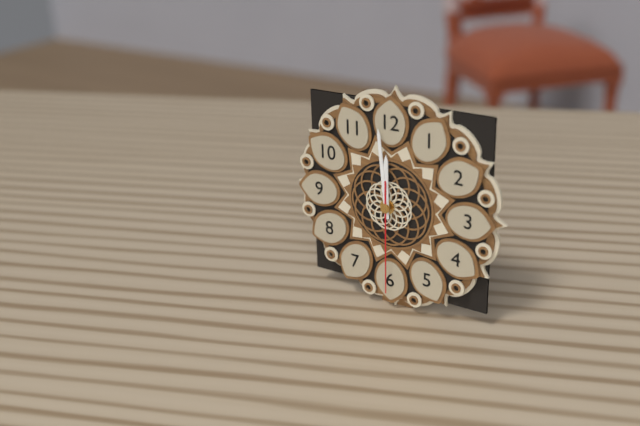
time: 11:59:30
